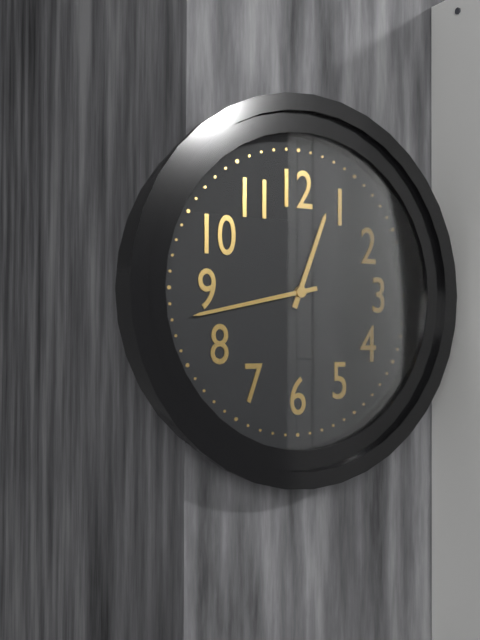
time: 12:43
